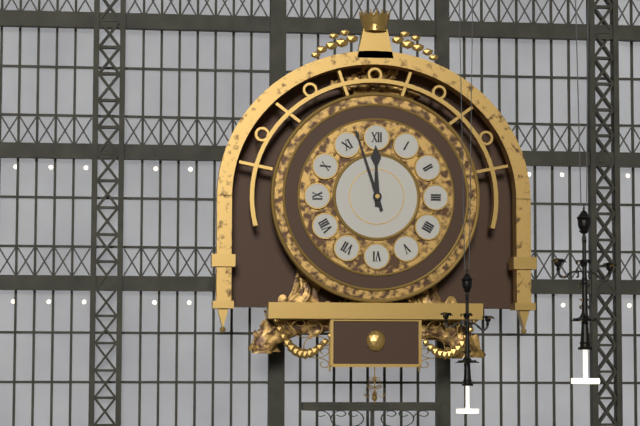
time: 11:57
